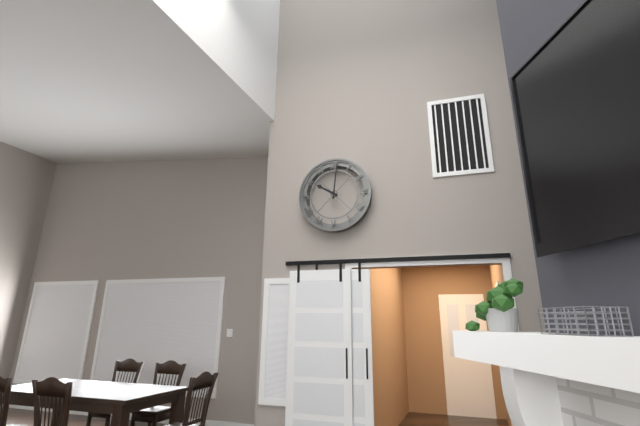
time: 10:01
